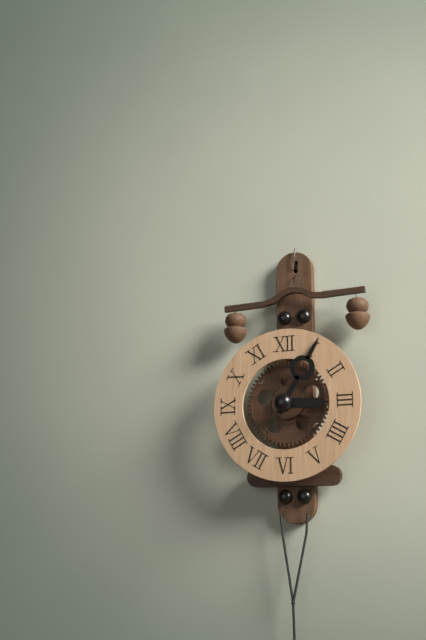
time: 3:05
